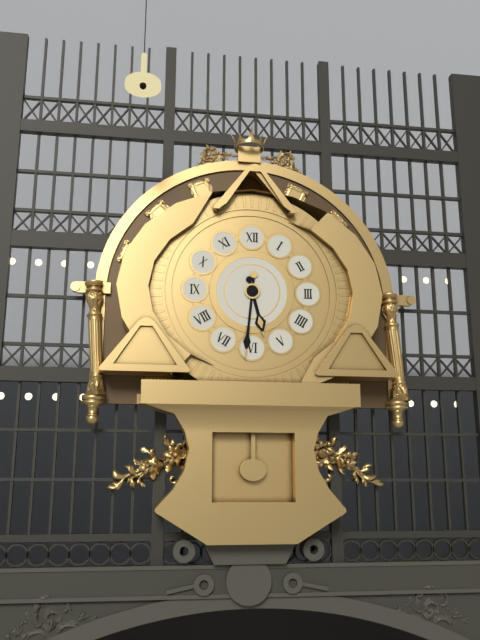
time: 5:31
